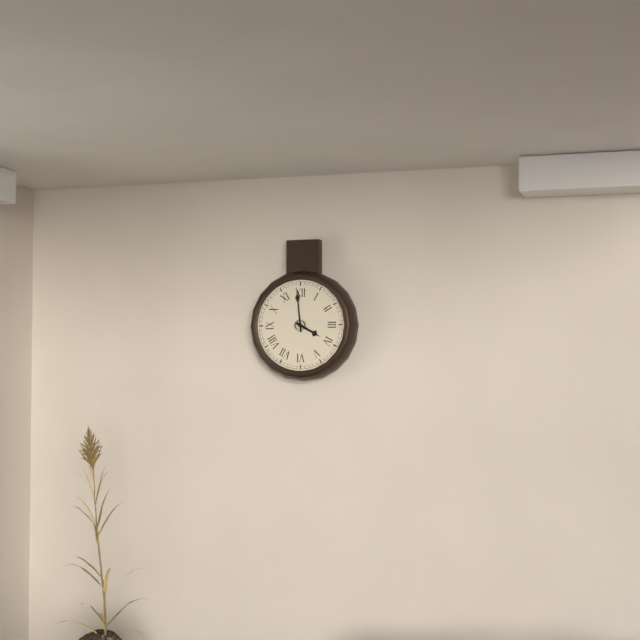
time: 3:59
